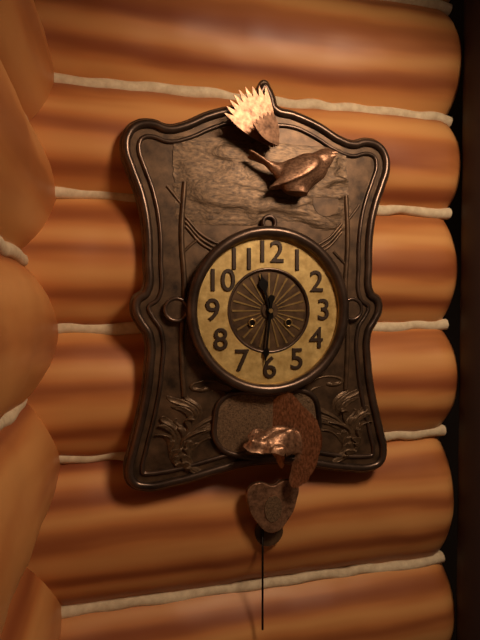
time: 11:31
